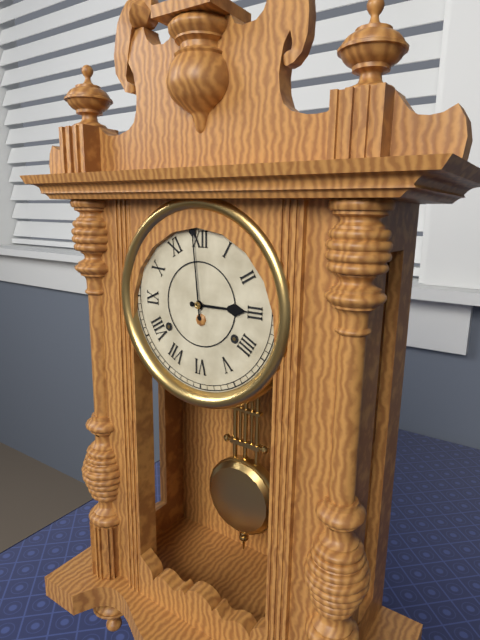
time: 2:59
